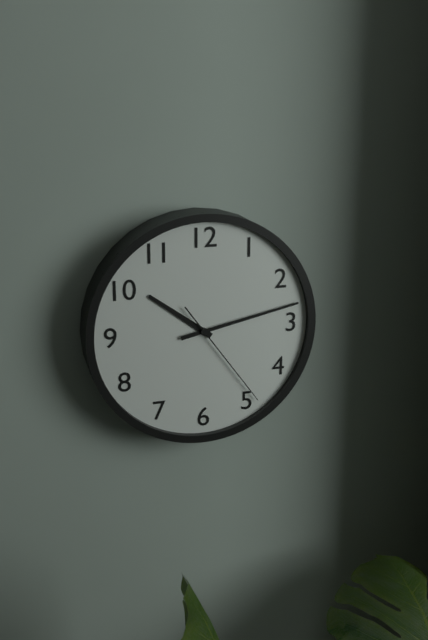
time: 10:13:24
